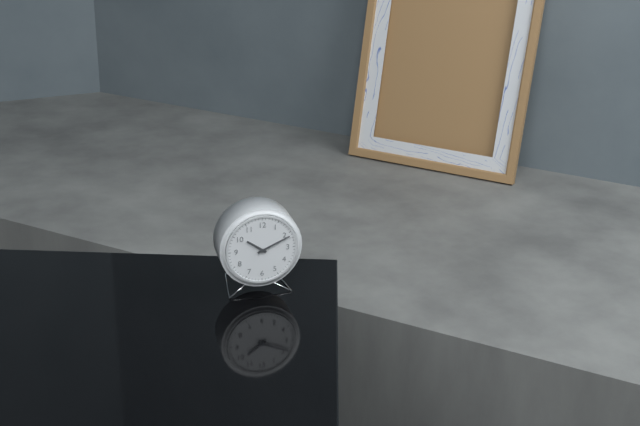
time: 10:11
